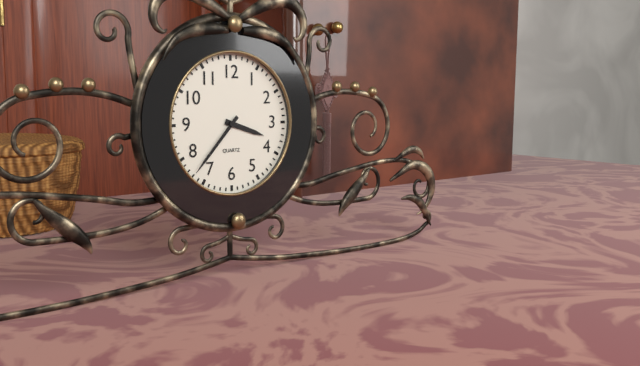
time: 3:37
